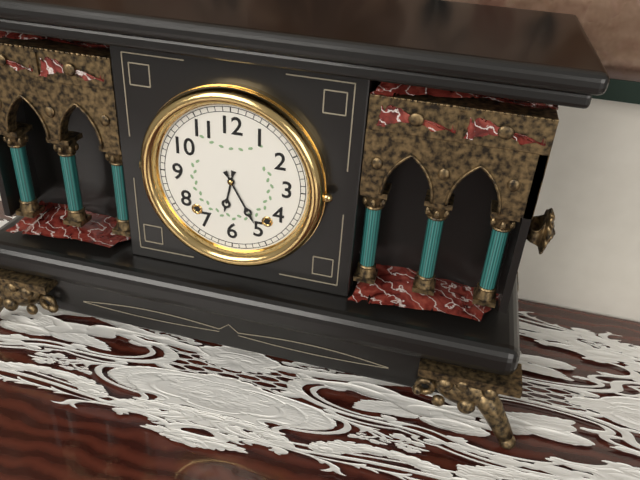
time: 6:25
